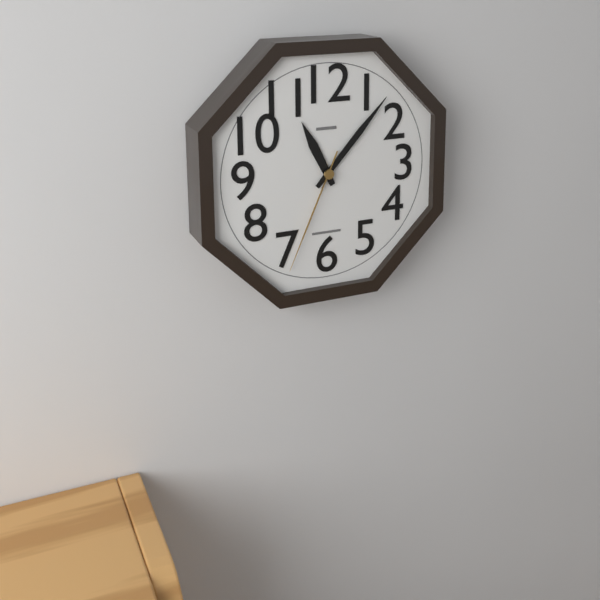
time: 11:07:34
